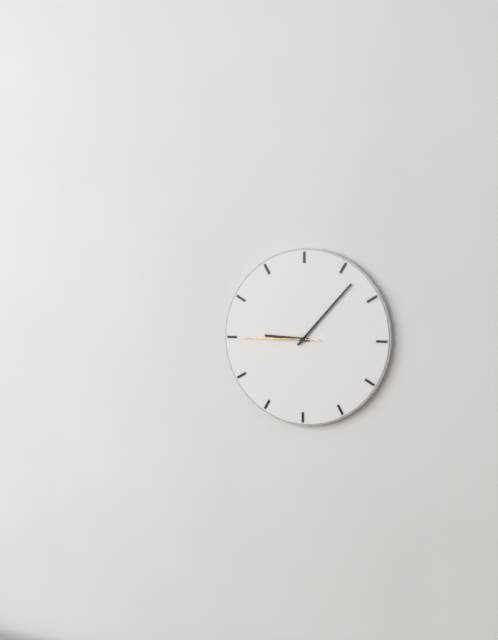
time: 9:07:45
